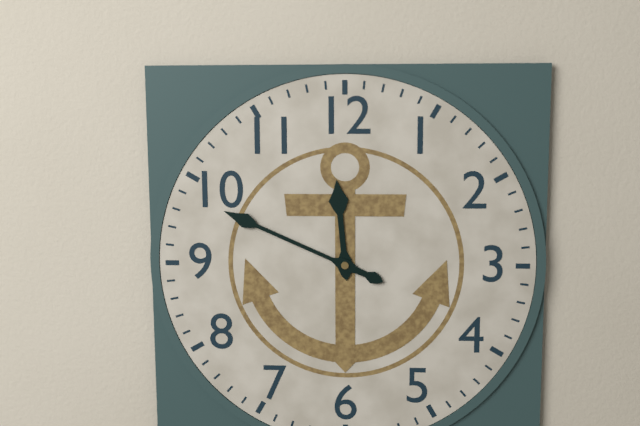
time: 11:49
